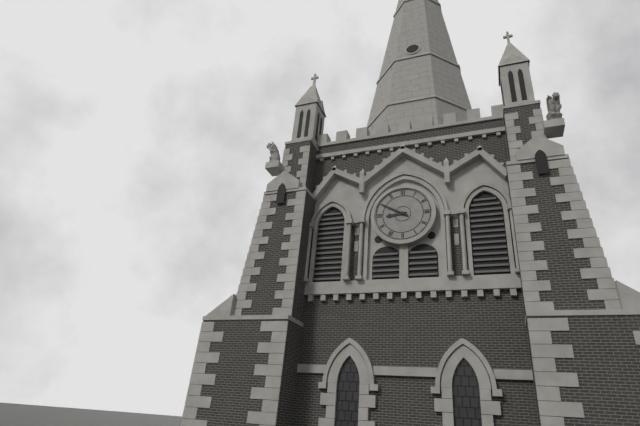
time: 8:50
